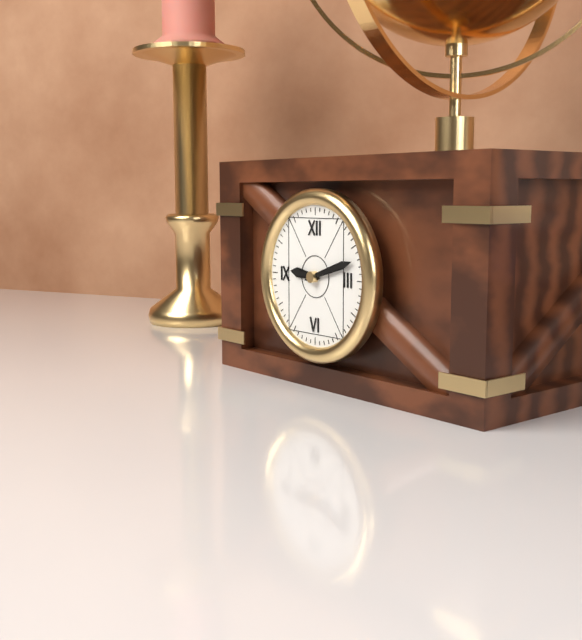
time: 9:12
